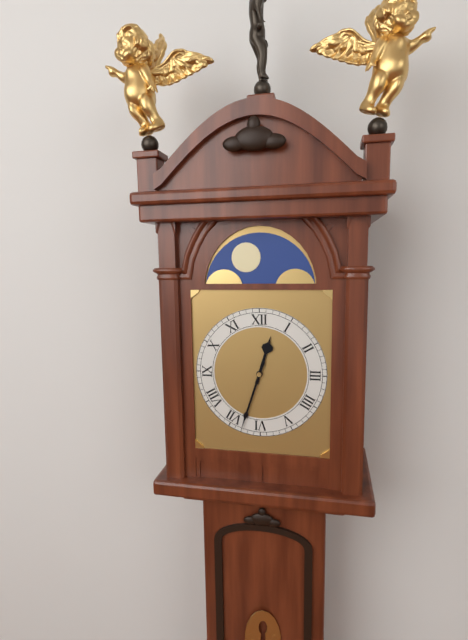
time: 12:33
